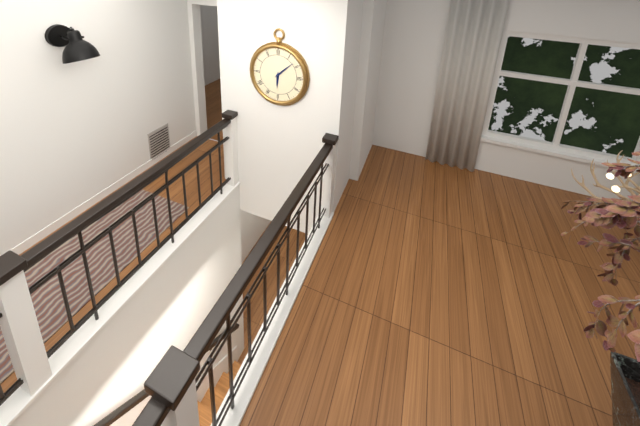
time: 6:08
